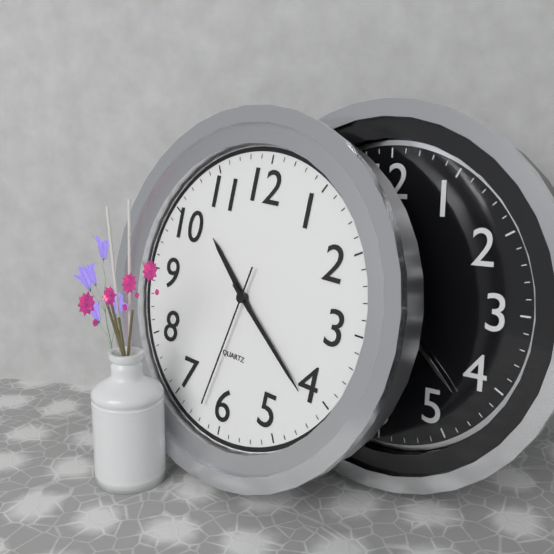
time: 10:21:32
